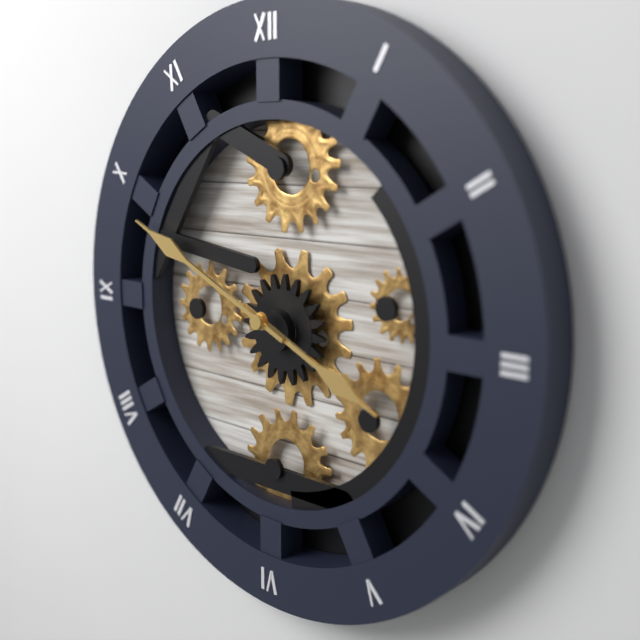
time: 3:49
